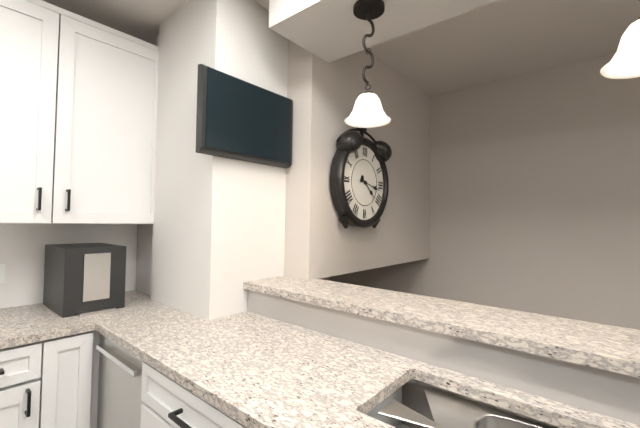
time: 4:17
